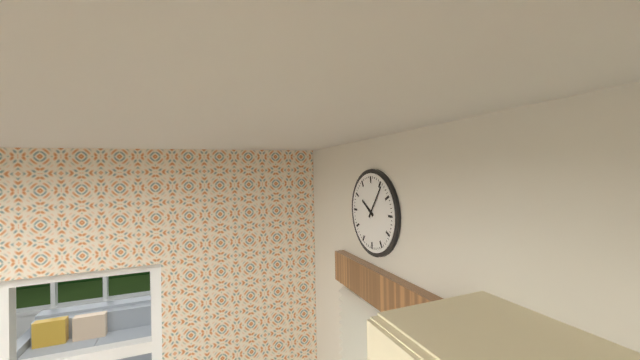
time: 10:06
